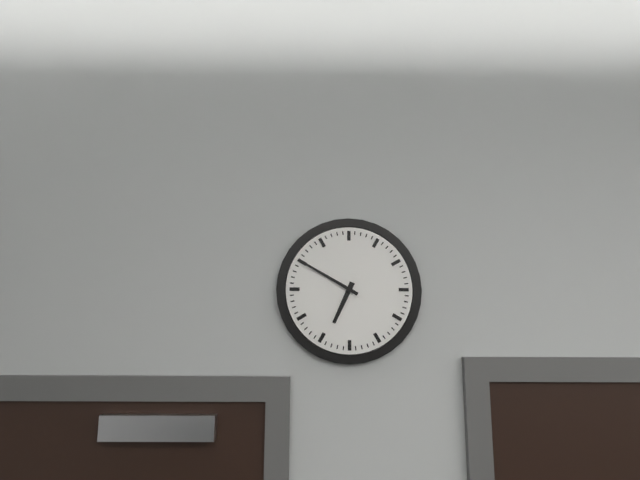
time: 6:50
